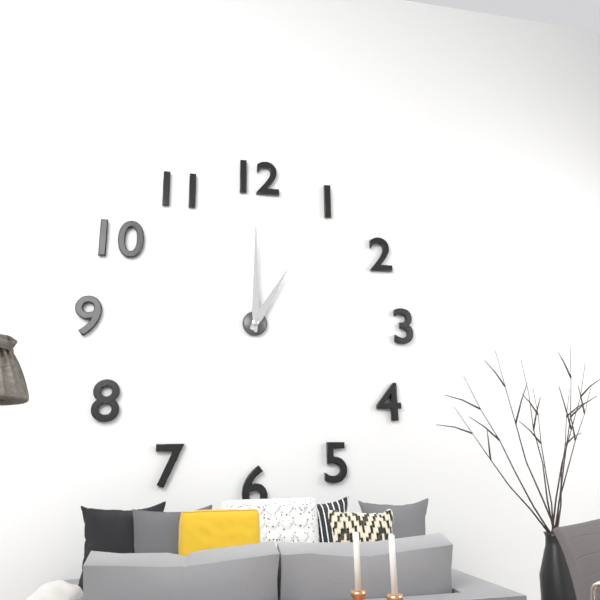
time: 1:00
